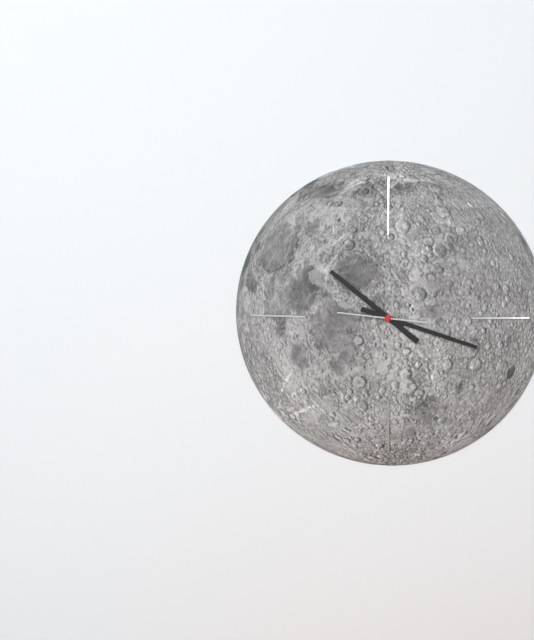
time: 10:18:46
